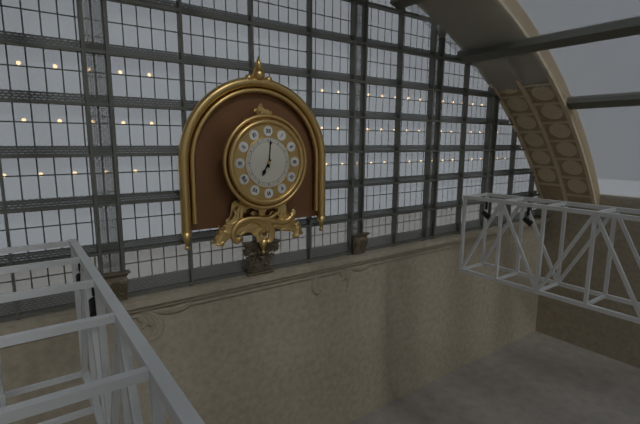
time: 7:01
